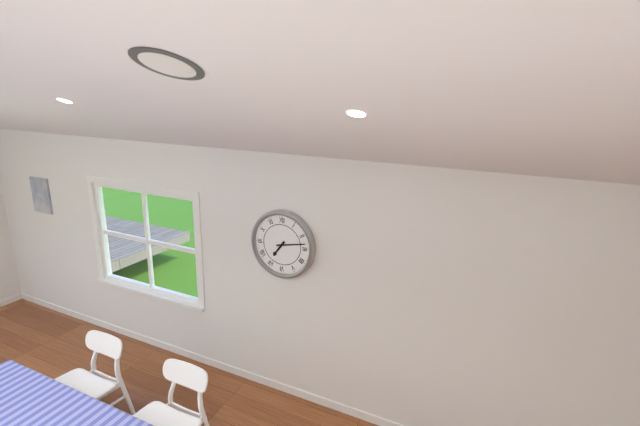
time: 7:13
